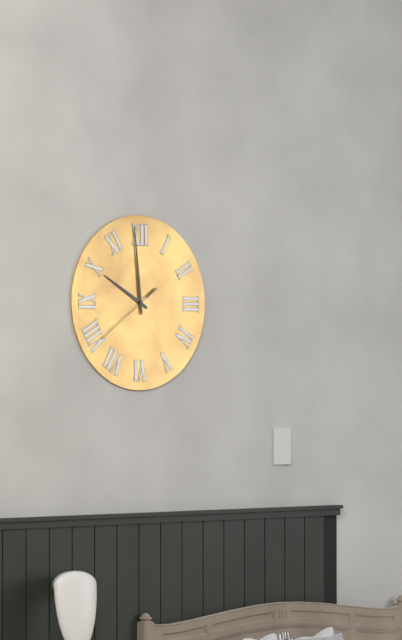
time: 9:59:39
